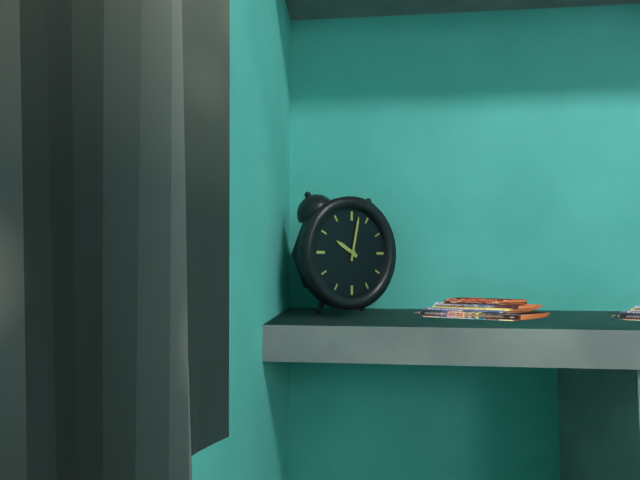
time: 10:02
